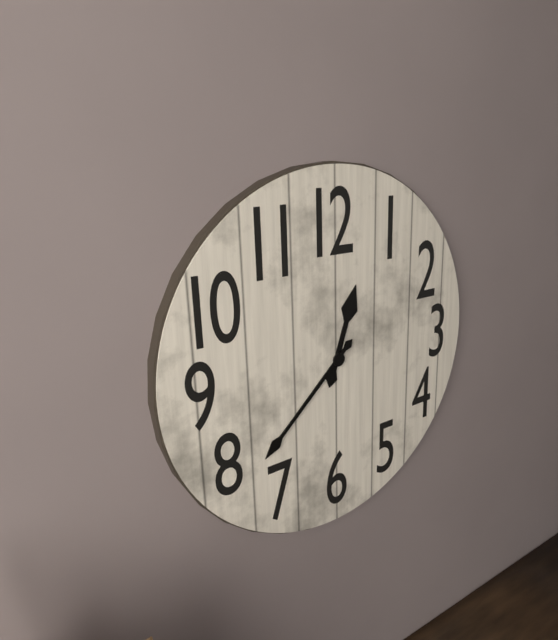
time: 12:38
